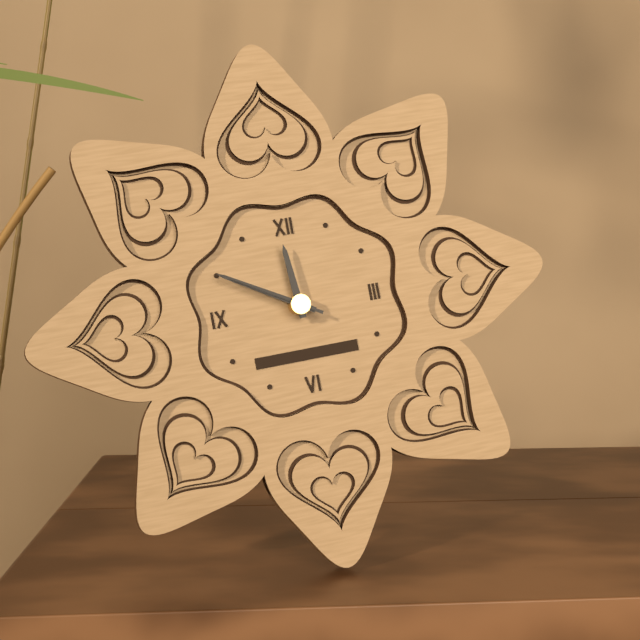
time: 11:50:50
